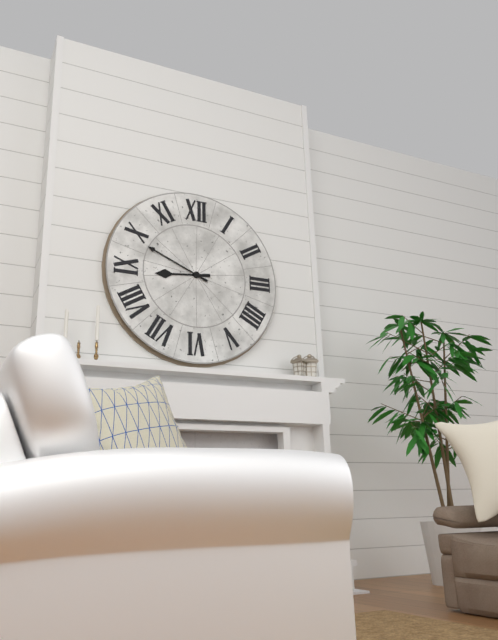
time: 8:49
